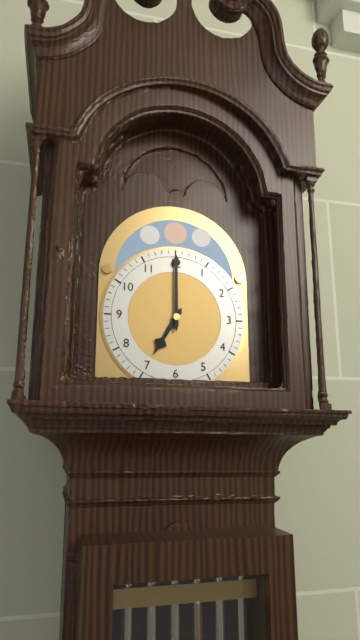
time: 7:00
